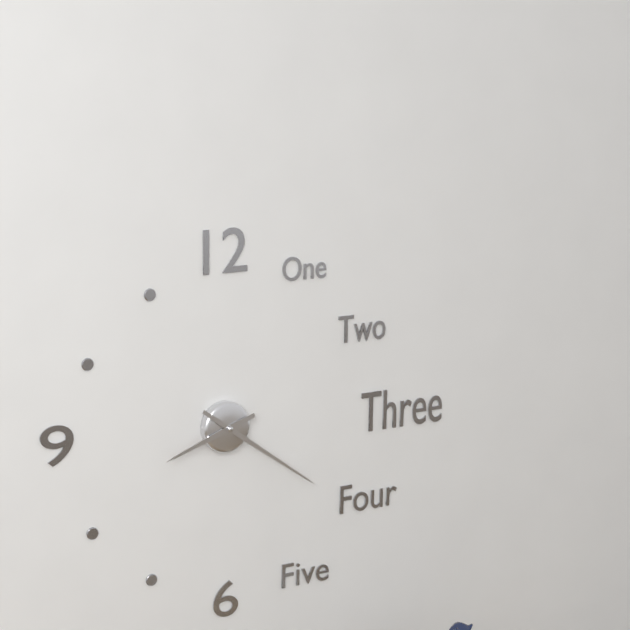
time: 8:21
